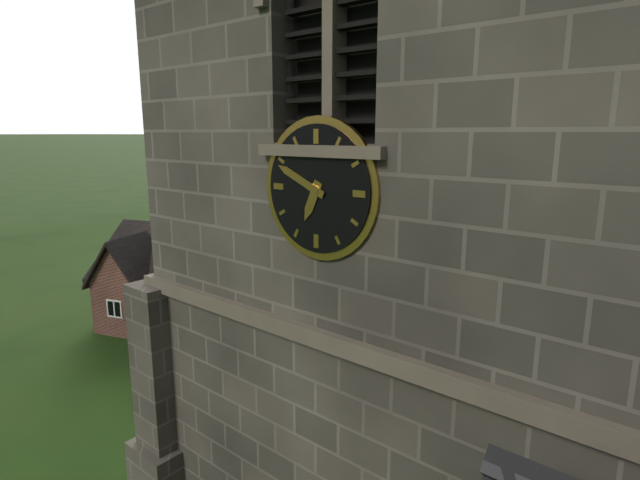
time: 6:49
